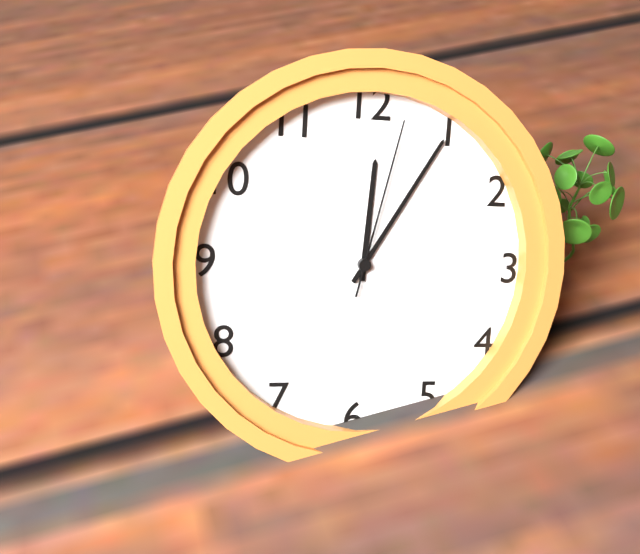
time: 12:05:02
